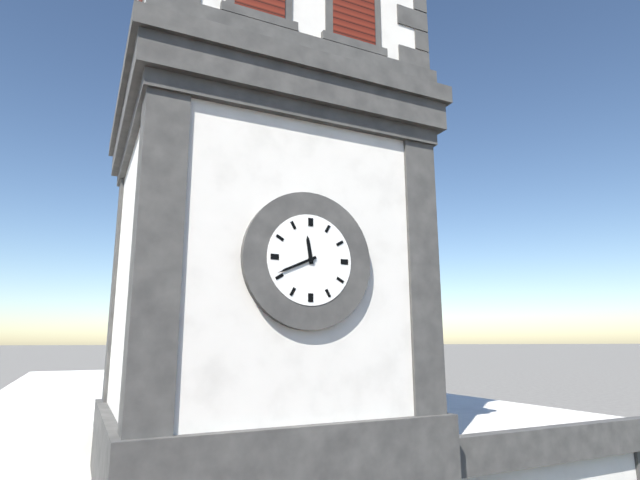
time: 11:41
